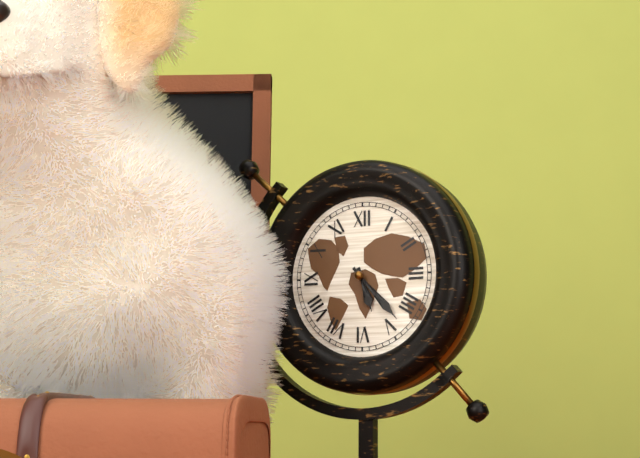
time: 5:23
